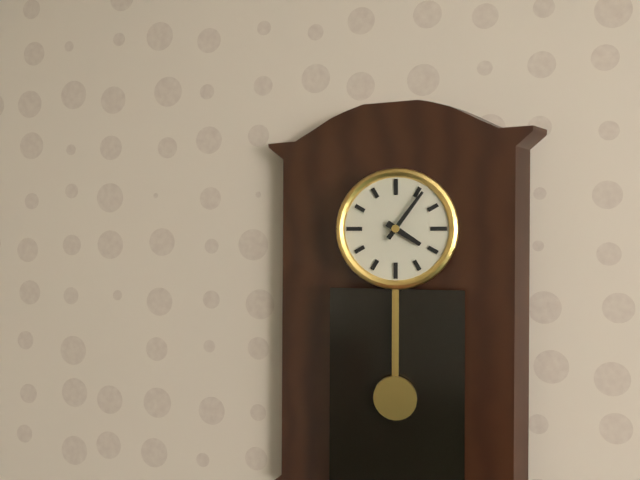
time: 4:06
